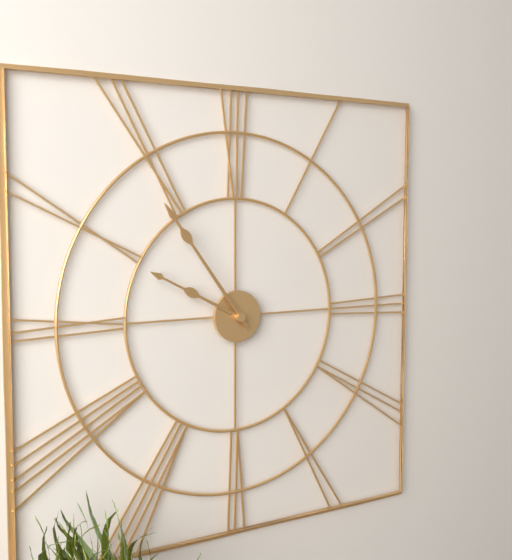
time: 9:54
